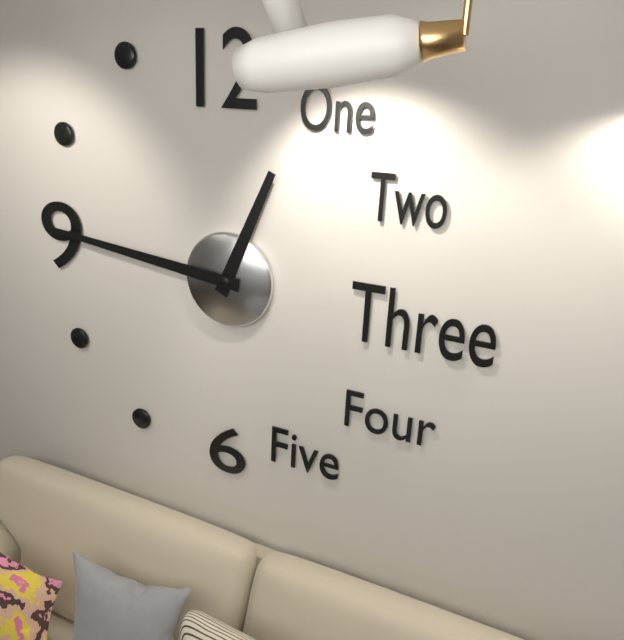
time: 12:46
